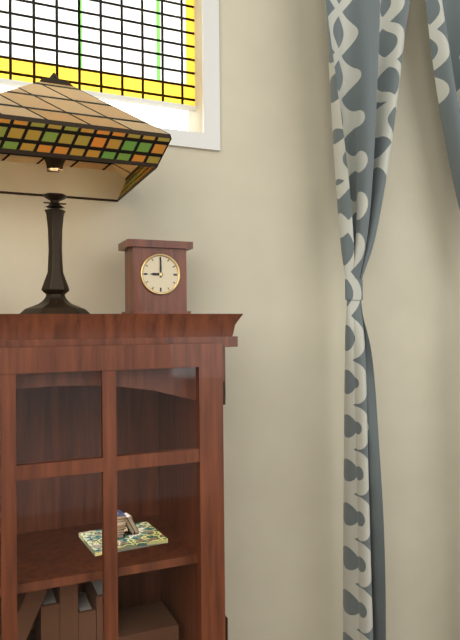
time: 9:00
